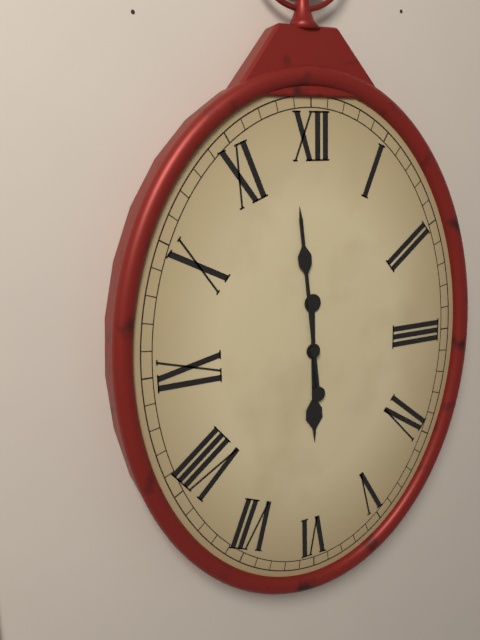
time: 5:59
